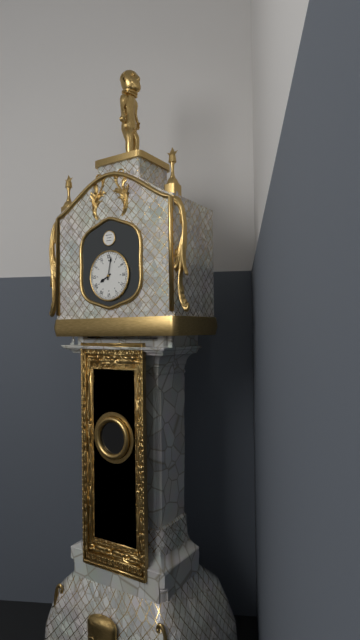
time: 8:02
